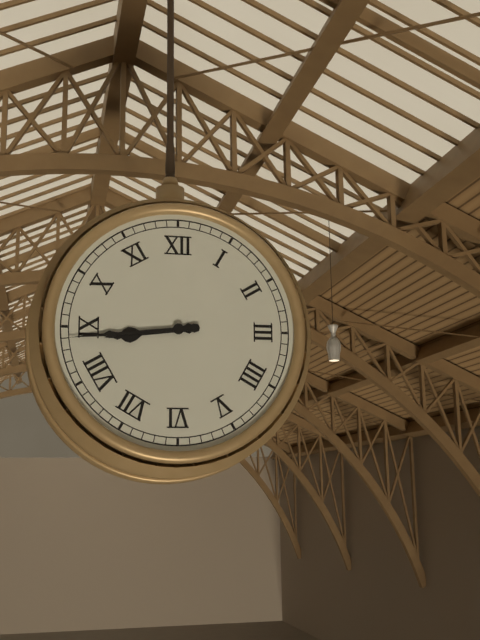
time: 8:44
